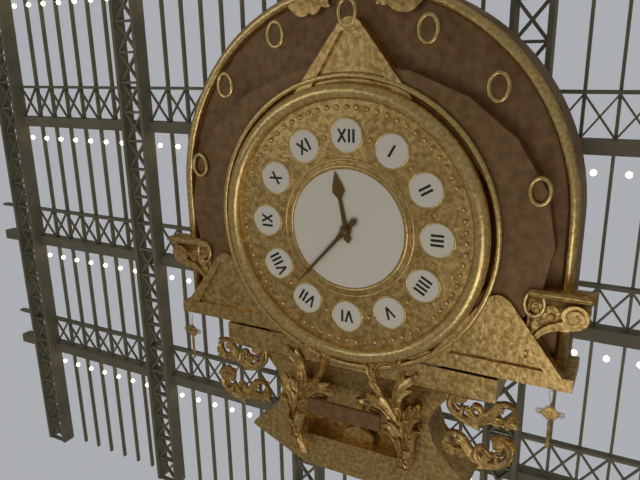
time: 11:37
